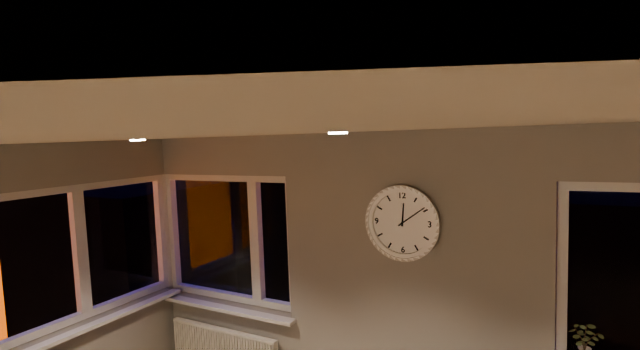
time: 12:09
